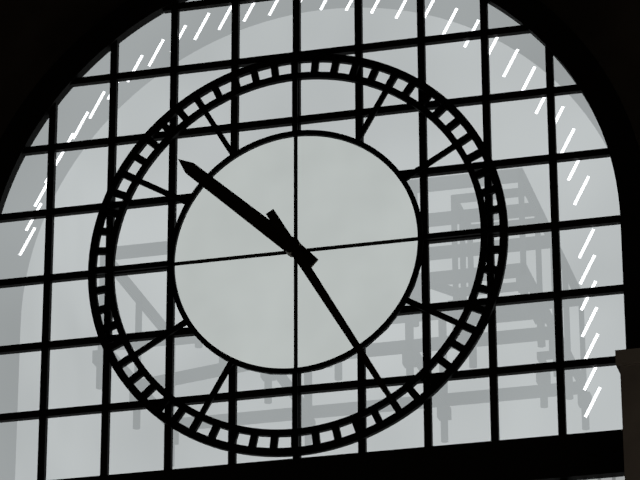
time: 10:25
